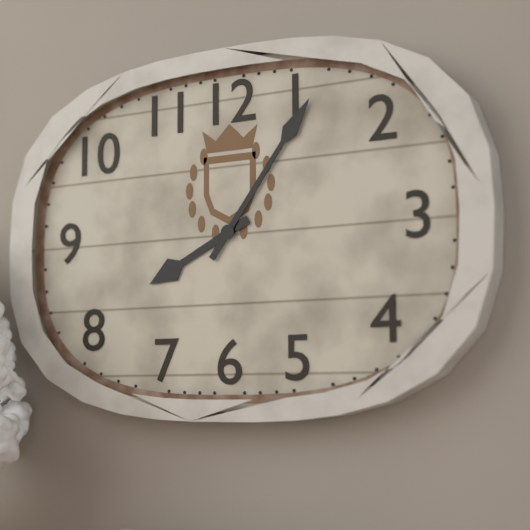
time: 8:06
